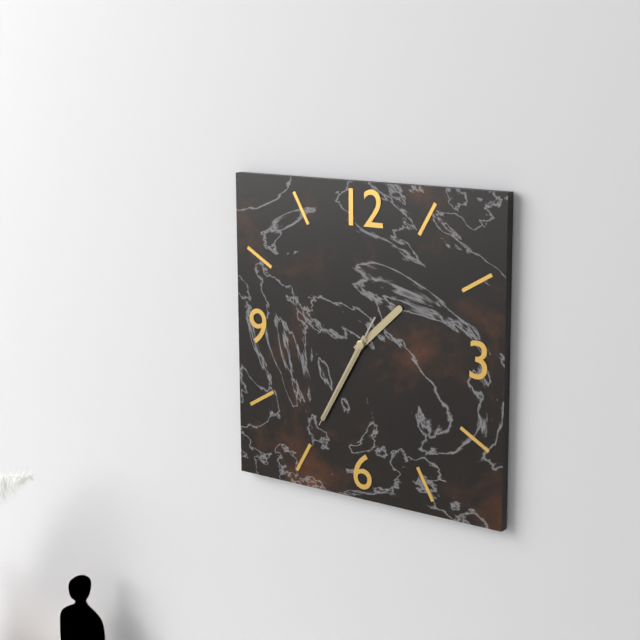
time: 1:35:35
